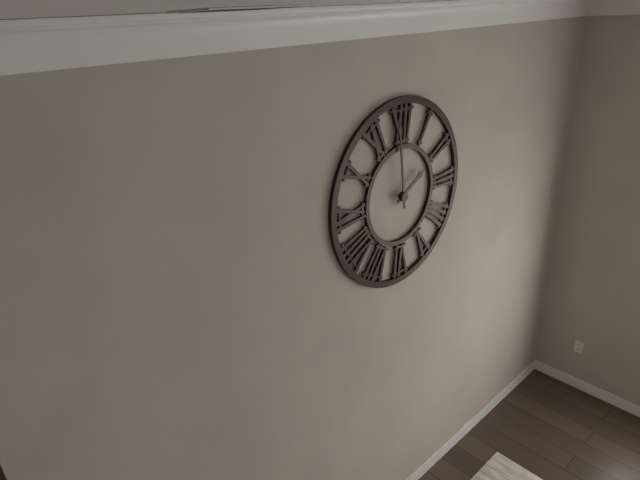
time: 1:59
